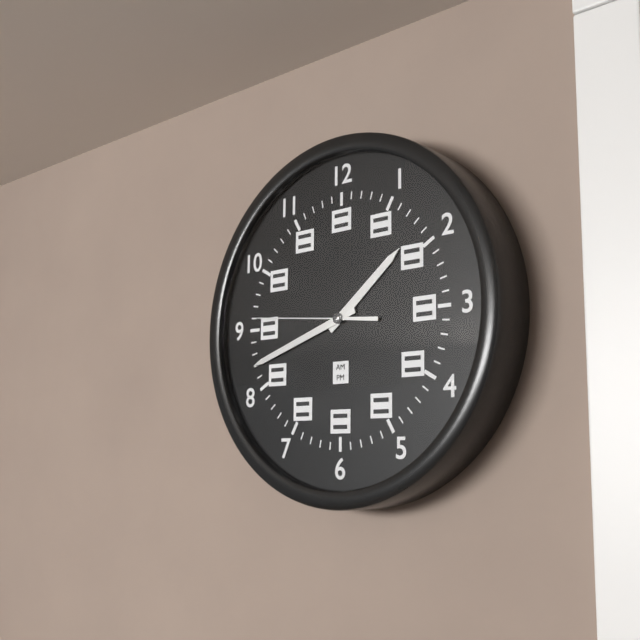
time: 1:42:46
